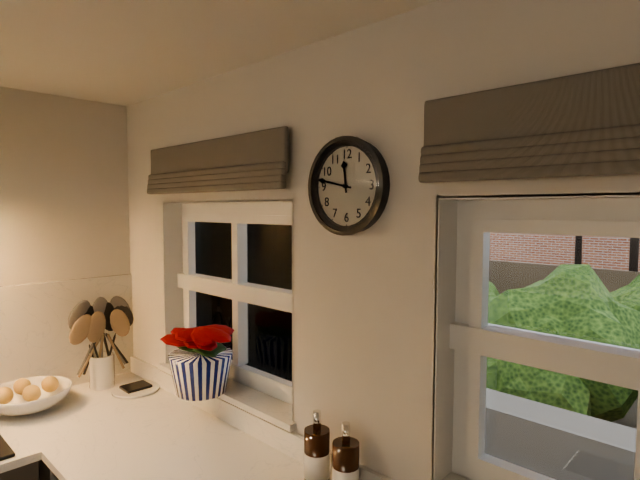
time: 11:47
